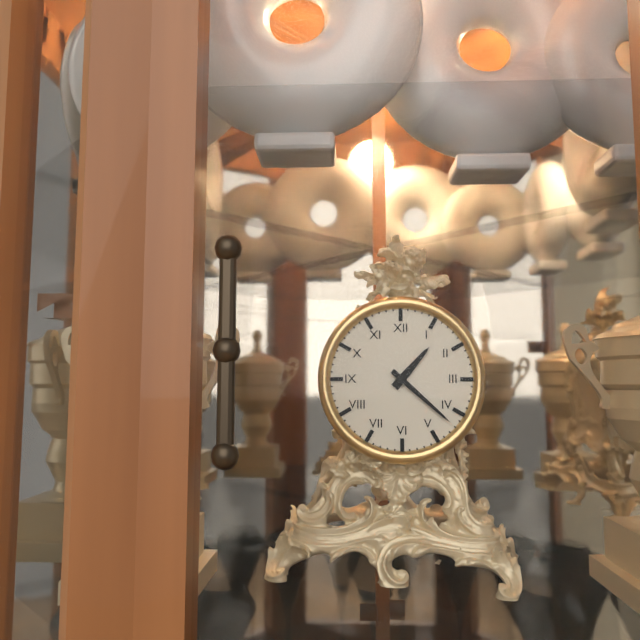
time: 1:22
